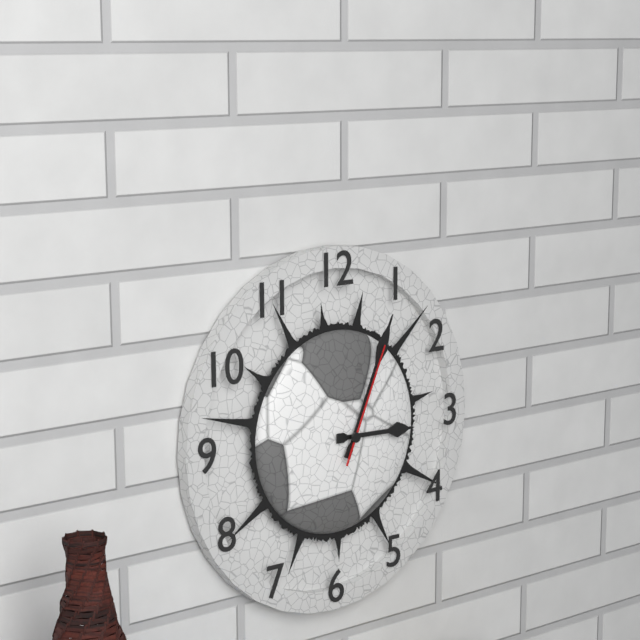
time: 3:04:04
